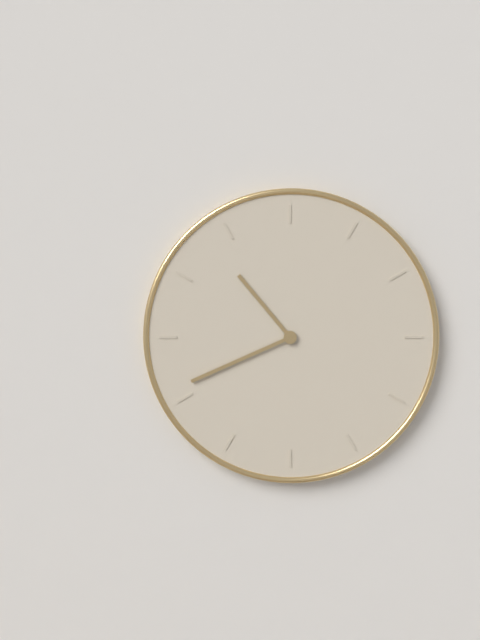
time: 10:41
